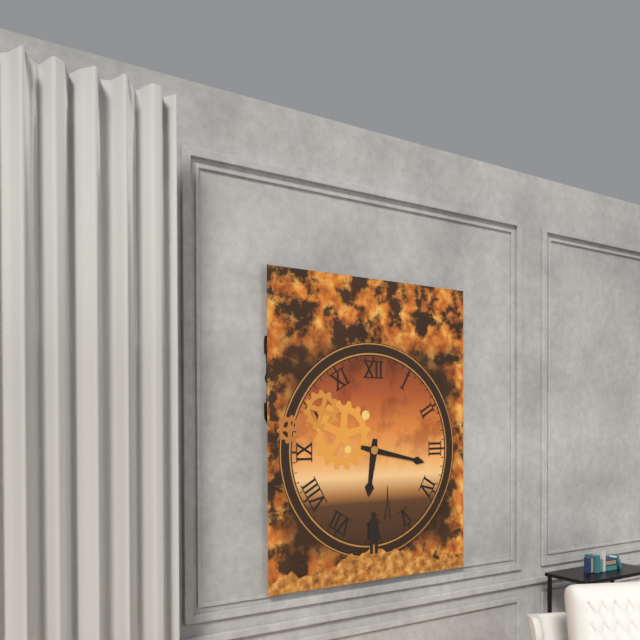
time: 6:17
